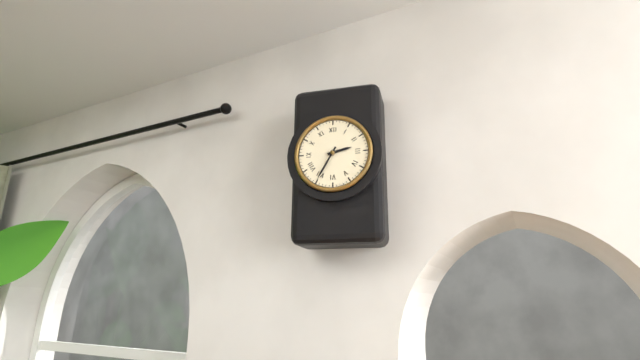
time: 2:35
